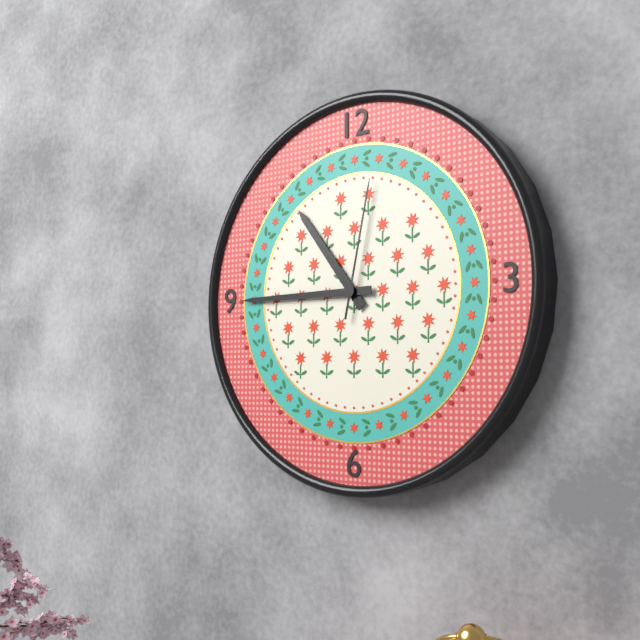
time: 10:45:02
